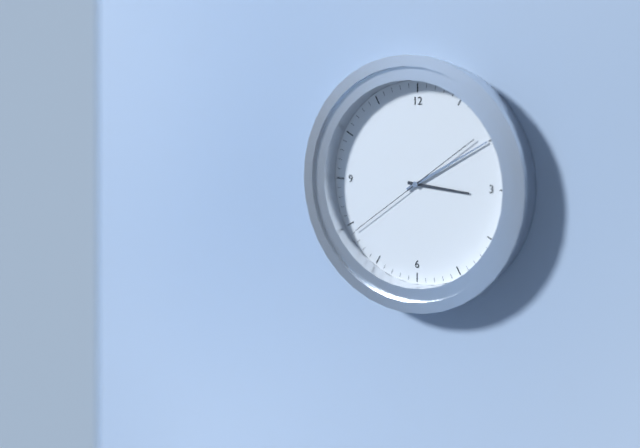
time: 3:10:39
